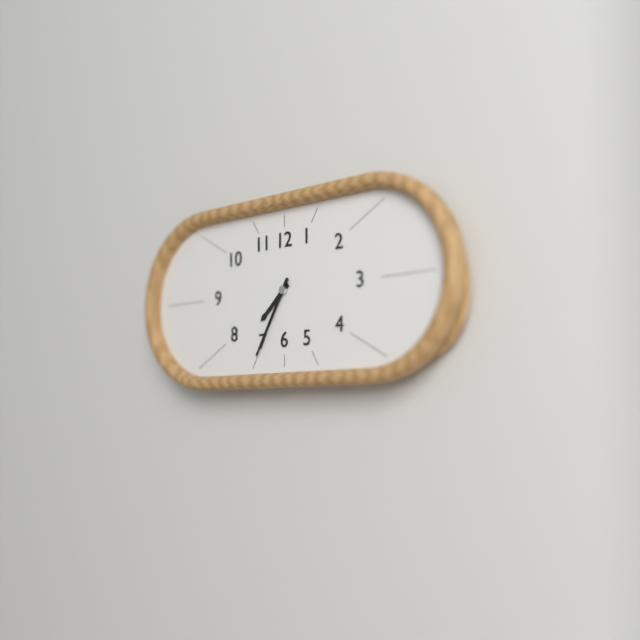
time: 7:35
